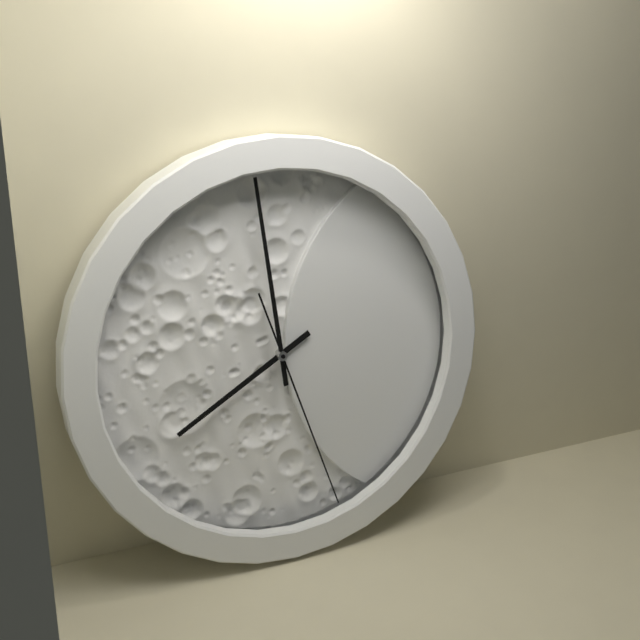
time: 7:59:27
